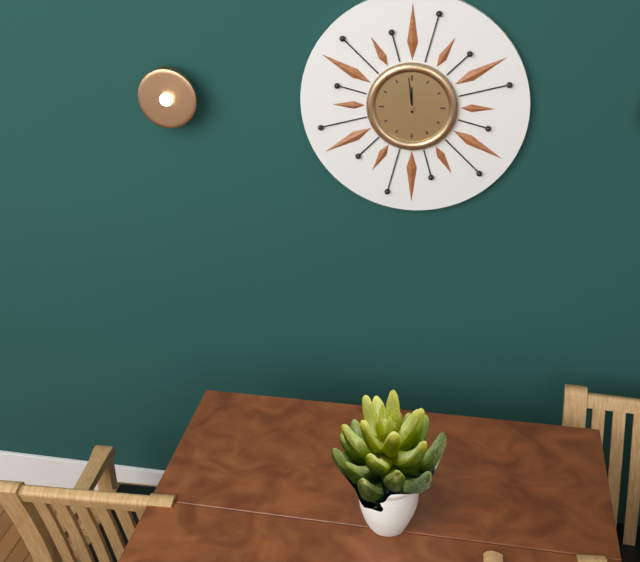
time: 11:59
